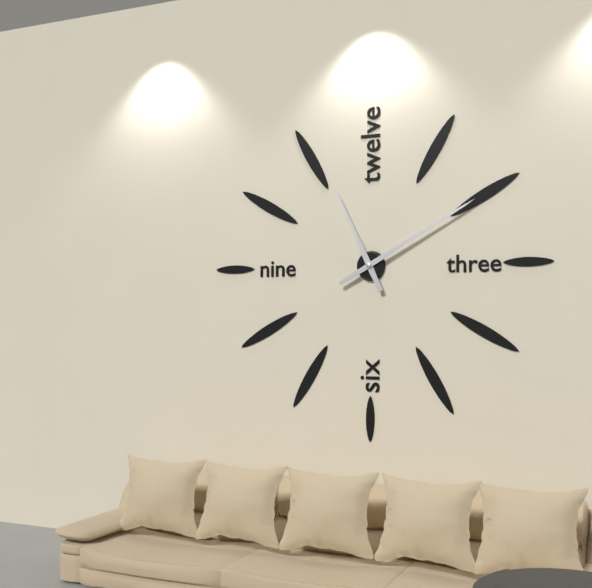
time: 11:10
